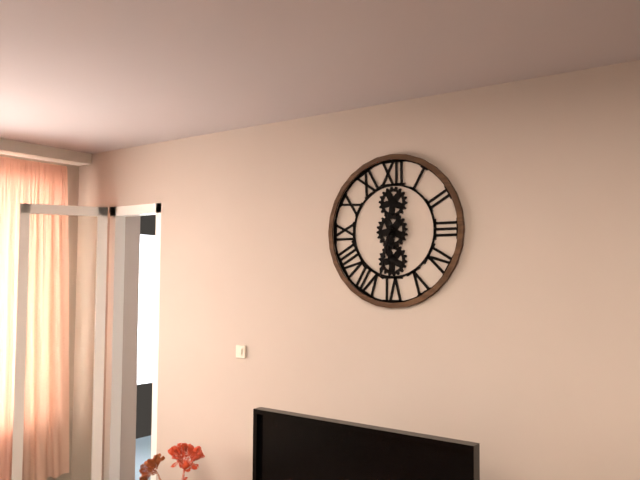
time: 6:32
